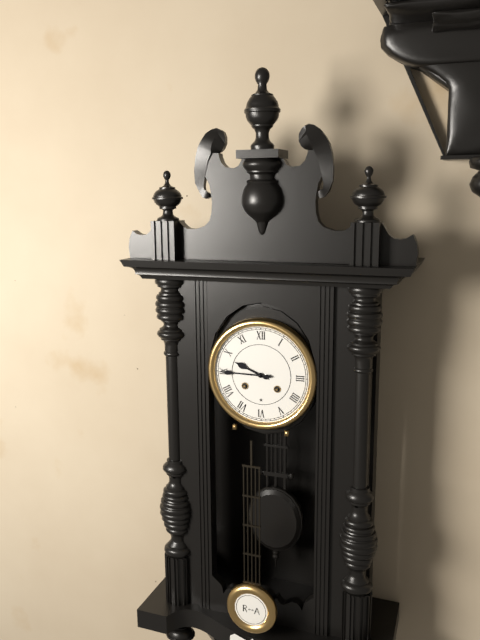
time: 9:45
